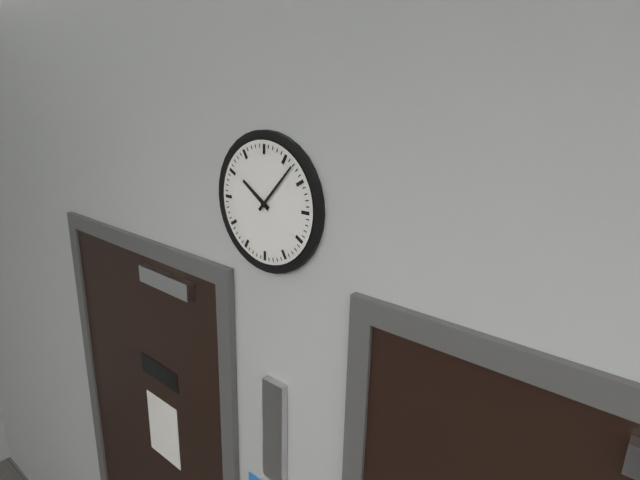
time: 10:07
